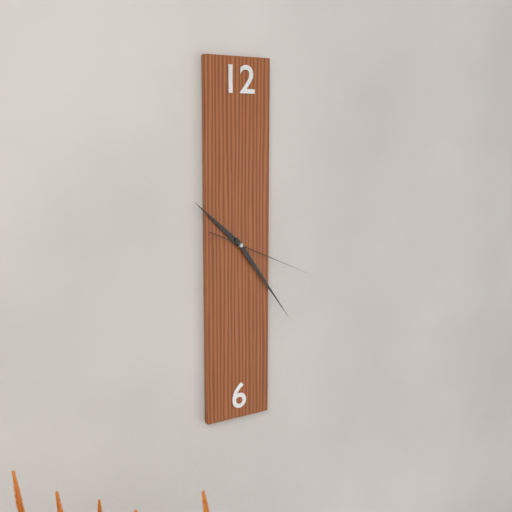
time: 10:24:19
